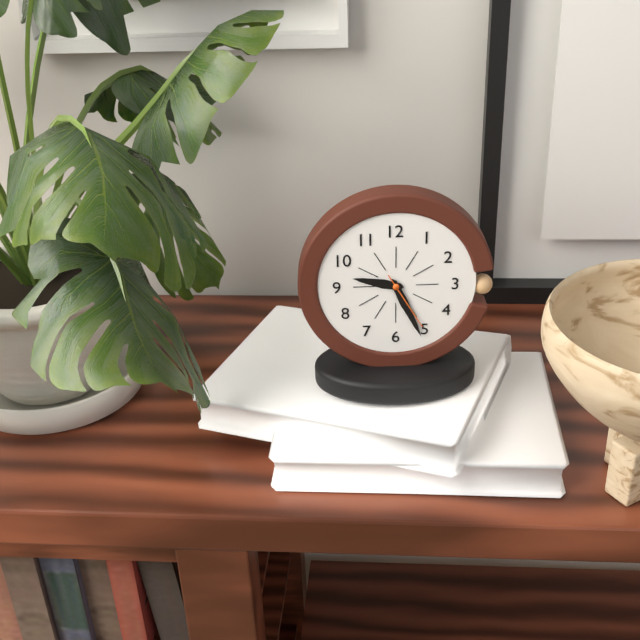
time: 9:26:25
